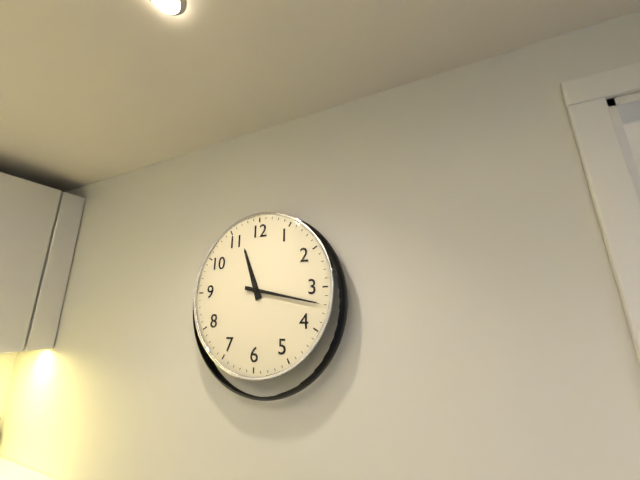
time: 11:17
